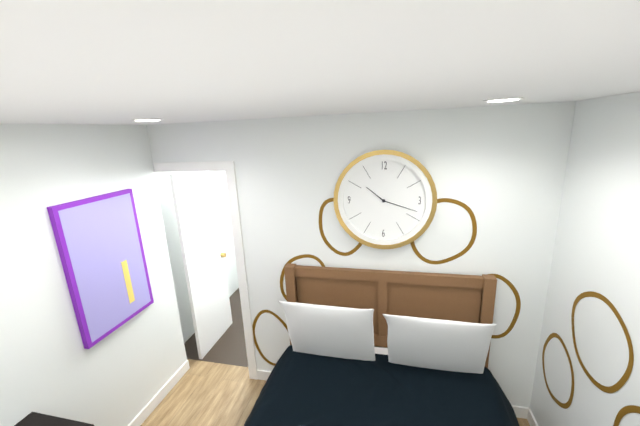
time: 10:18
